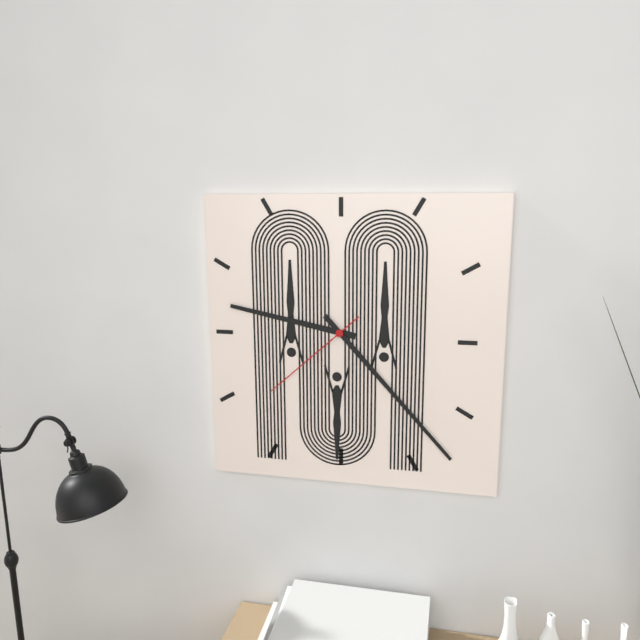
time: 9:23:38
